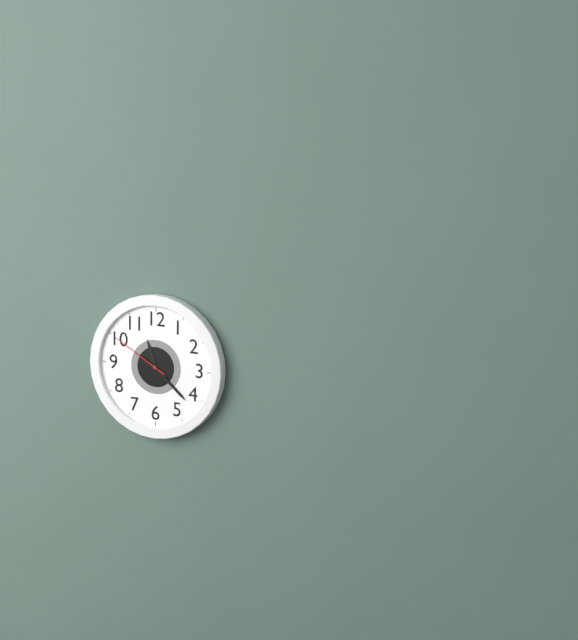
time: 11:22:50
